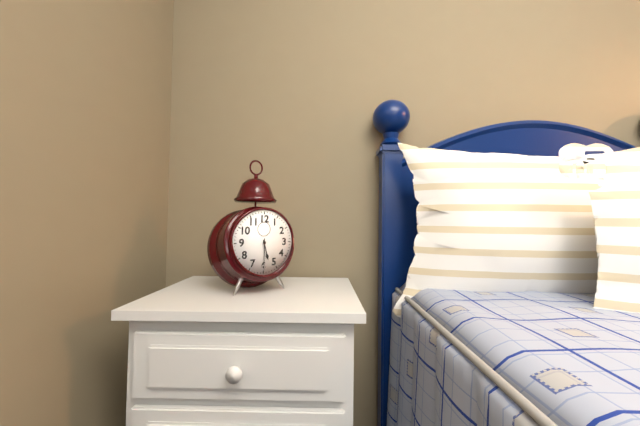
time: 5:30
